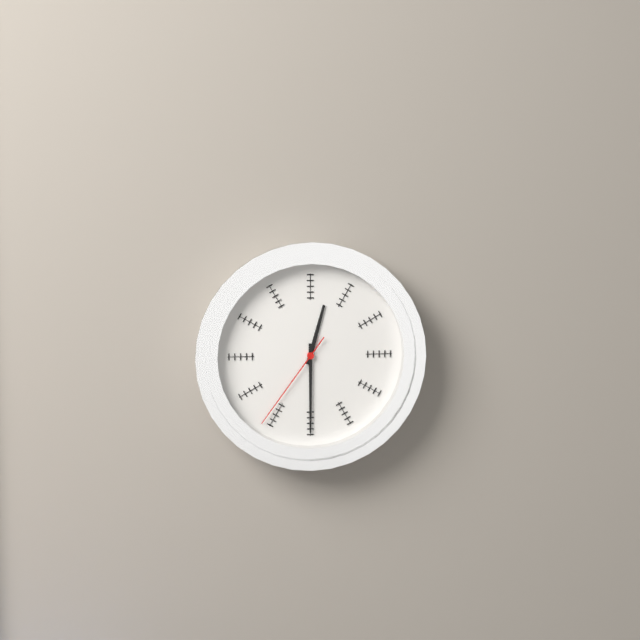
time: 12:30:36
